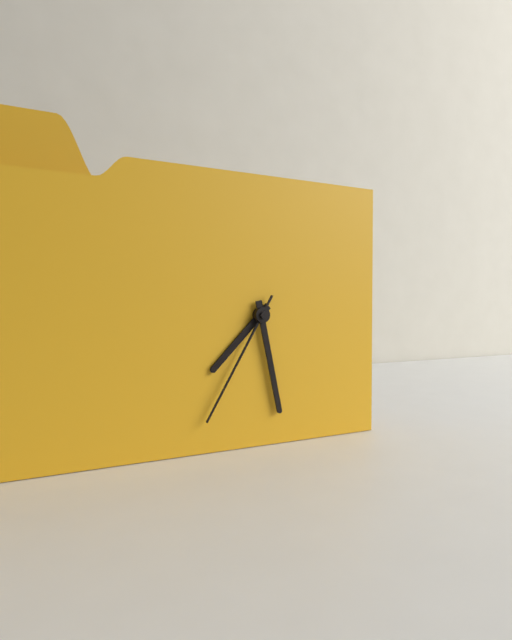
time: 7:28:35
